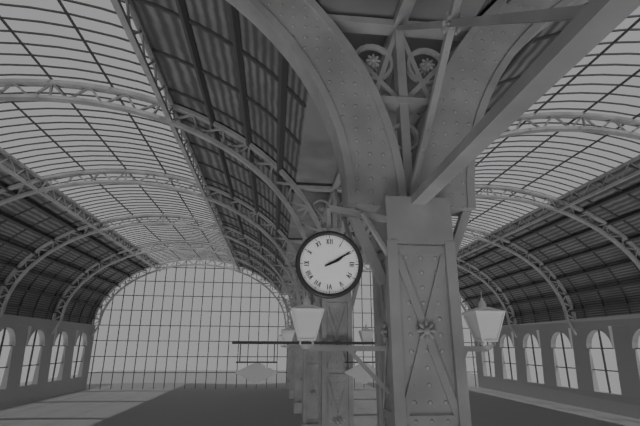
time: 2:10
